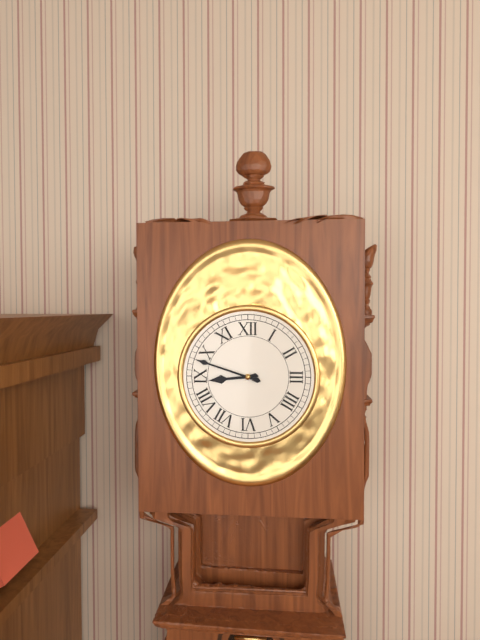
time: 8:48
